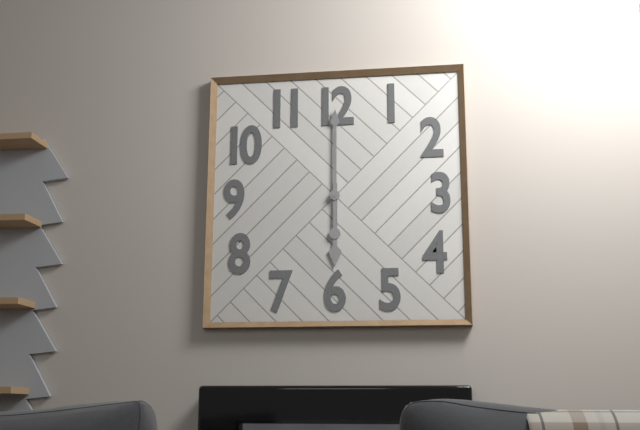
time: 6:00
